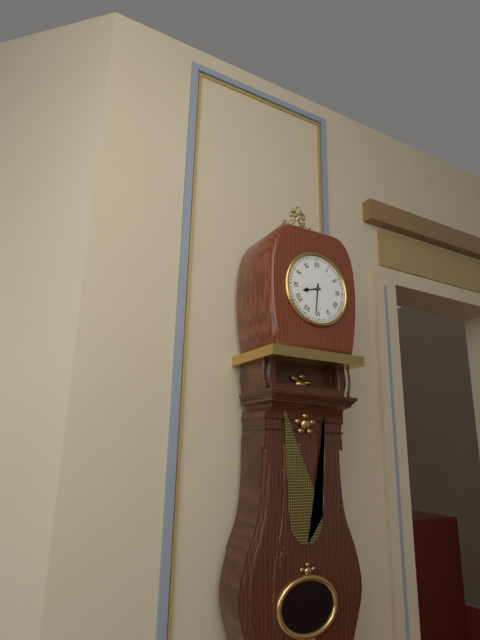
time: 8:31
